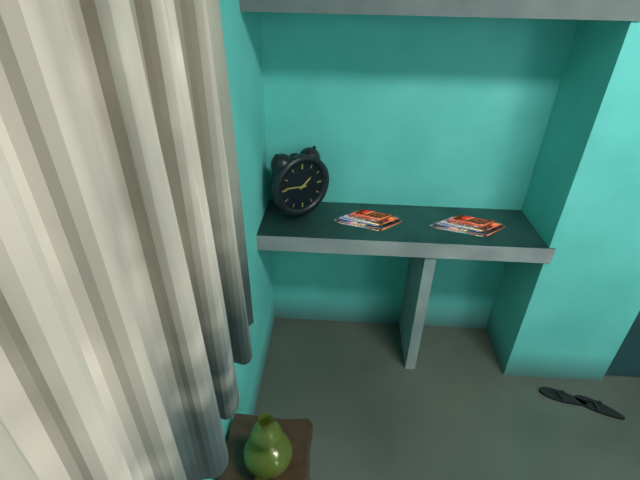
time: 1:46
